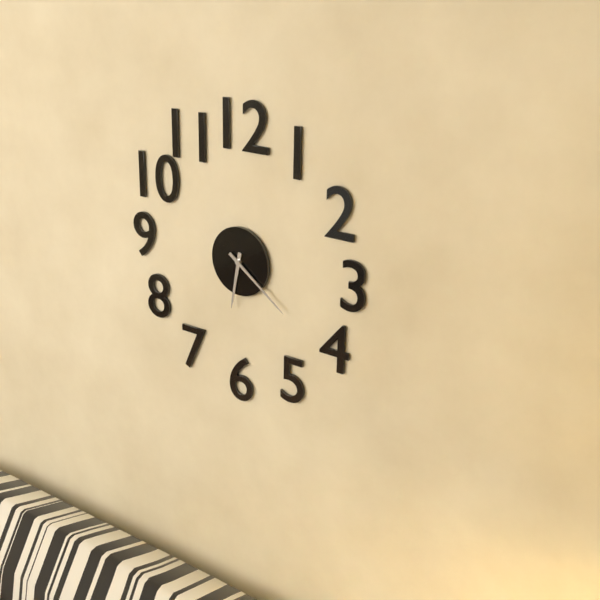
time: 6:21
